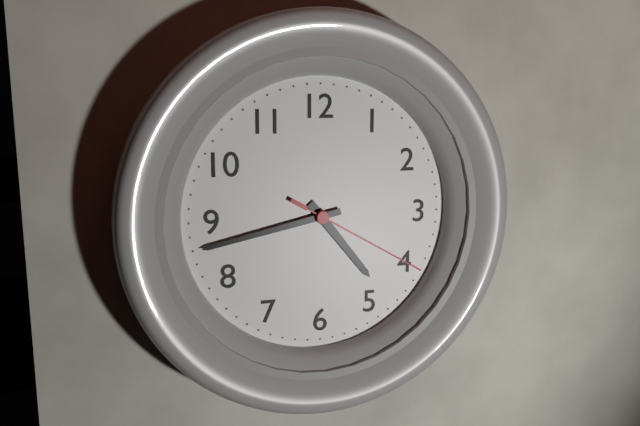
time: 4:43:20
